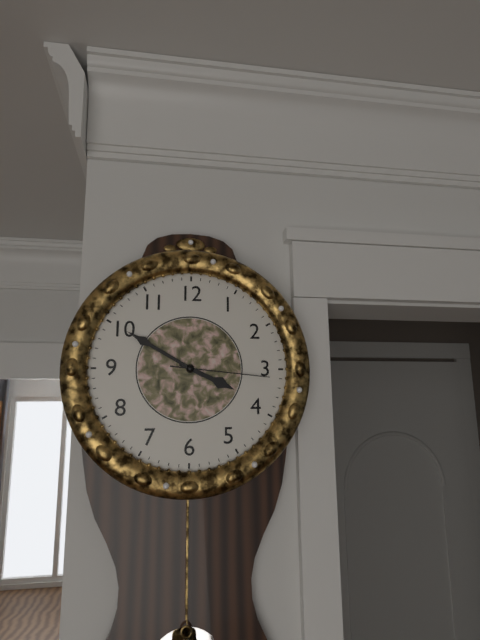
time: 3:50:16
